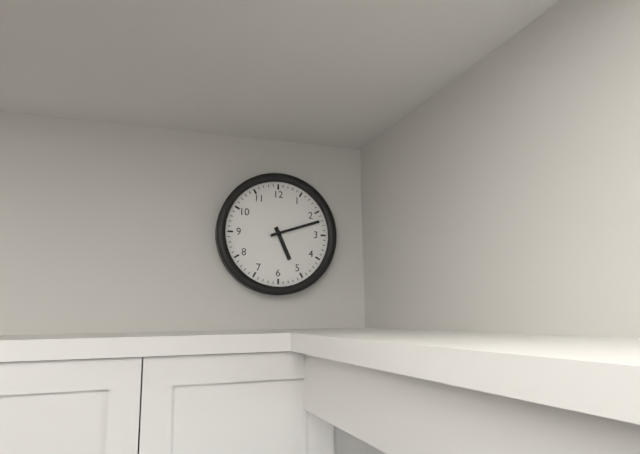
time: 5:12
